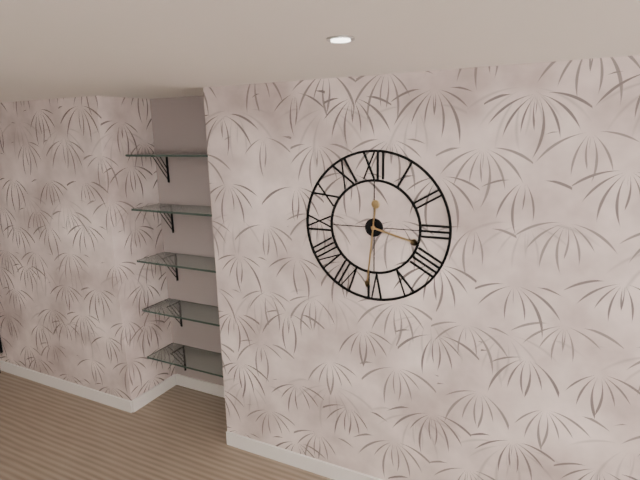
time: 3:31
